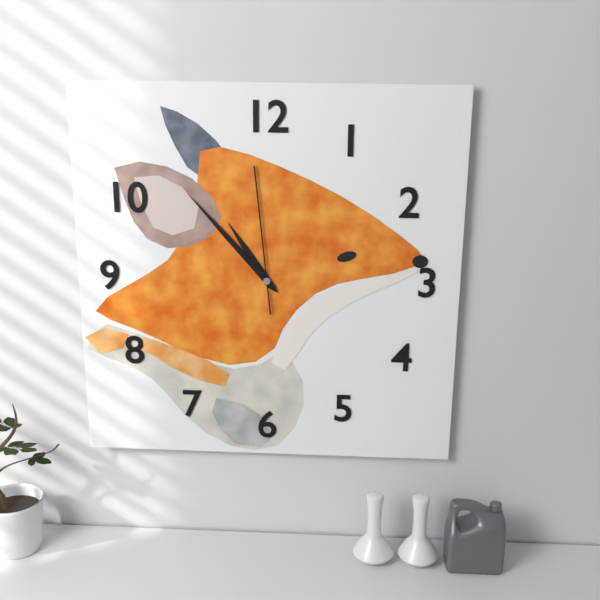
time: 10:53:59
